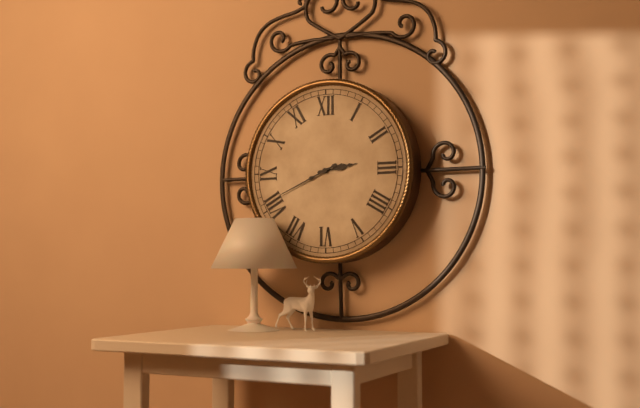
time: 2:41
